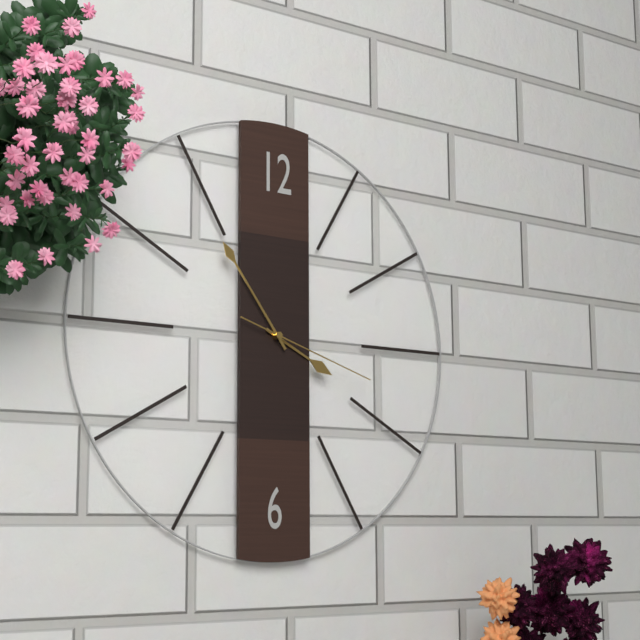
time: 3:54:18
